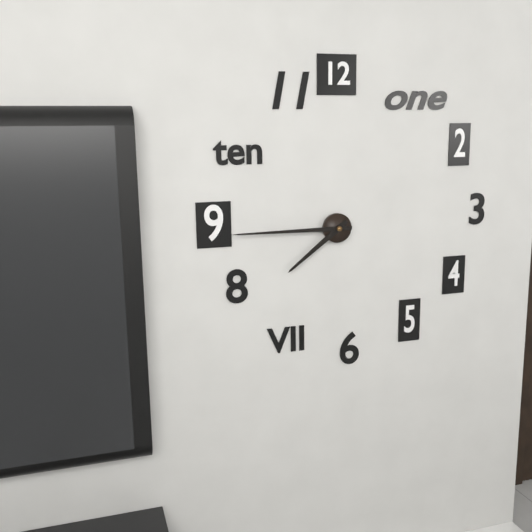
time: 7:45
